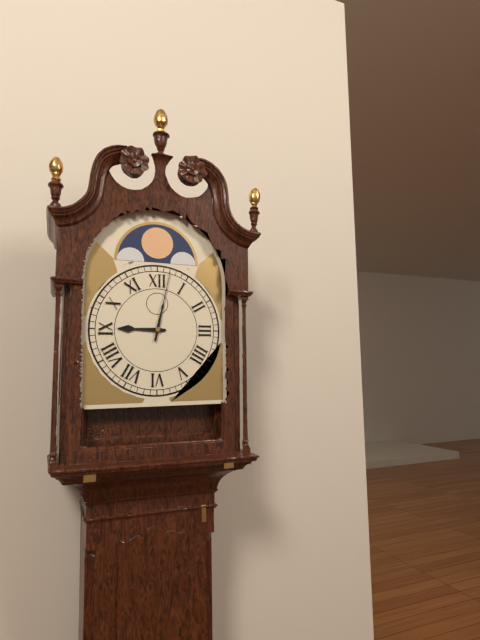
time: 9:02
